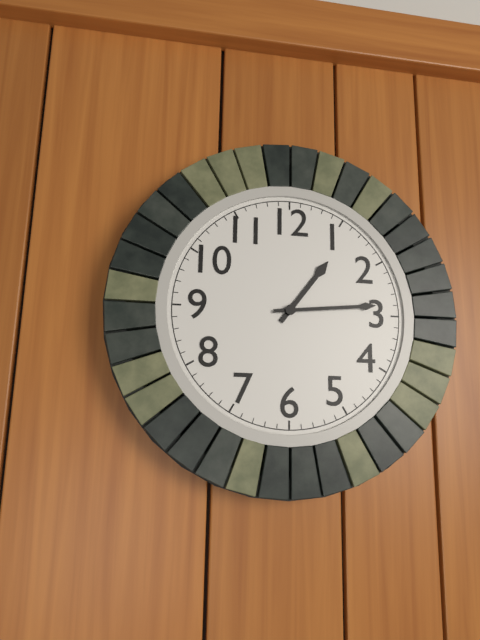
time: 1:14
